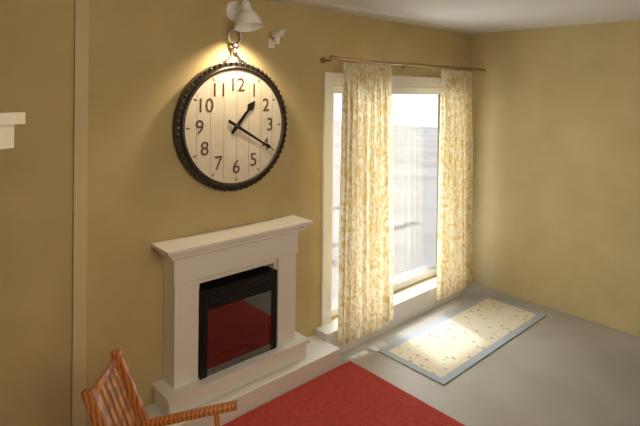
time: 1:20
